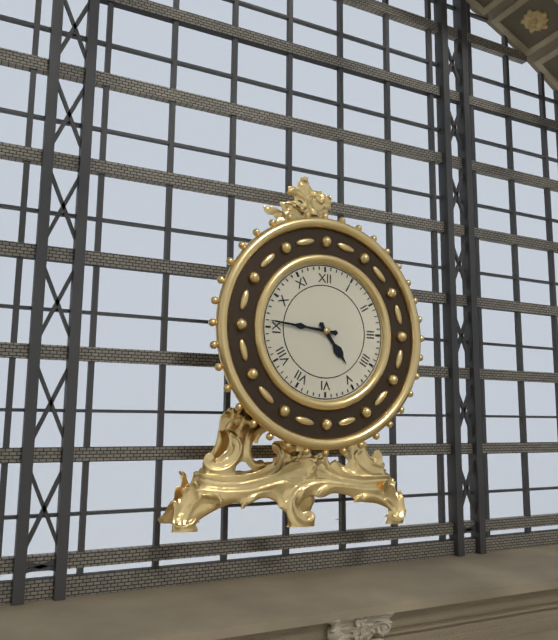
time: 4:46
